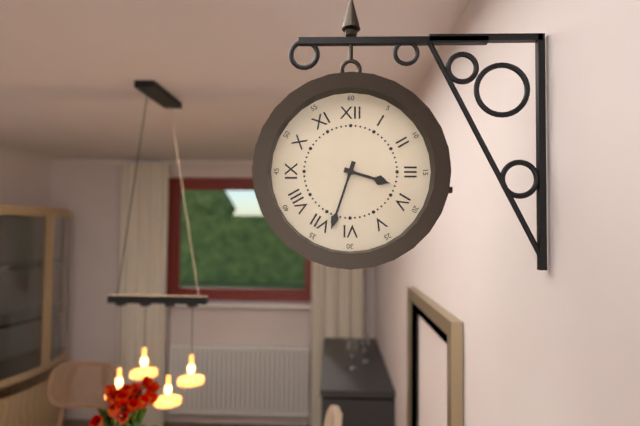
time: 3:33
